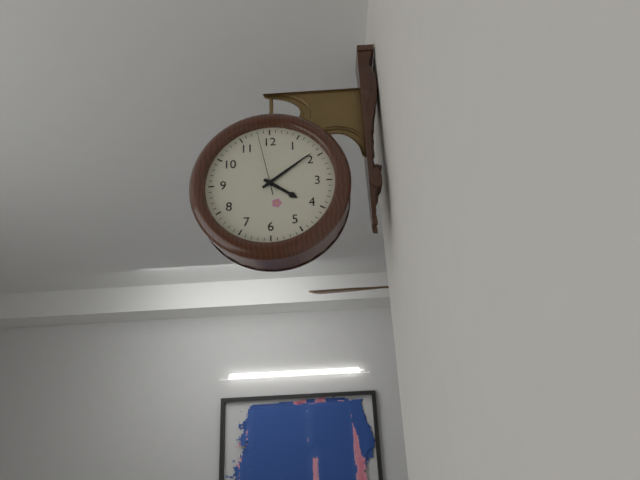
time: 4:09:58
